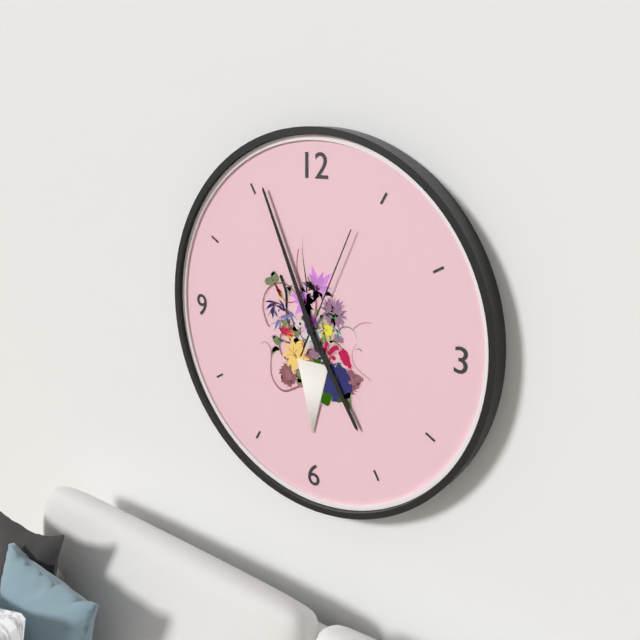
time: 4:56:04
